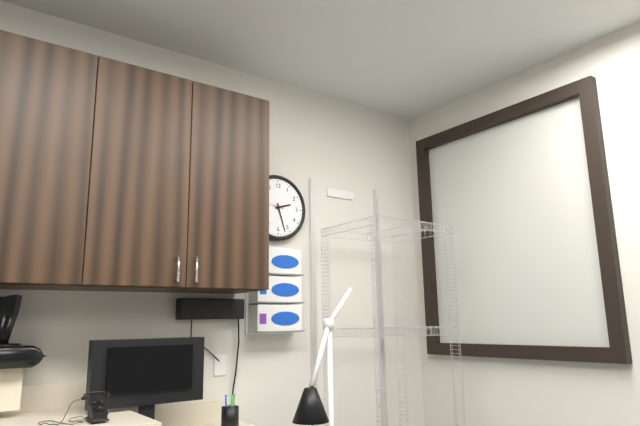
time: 2:27
